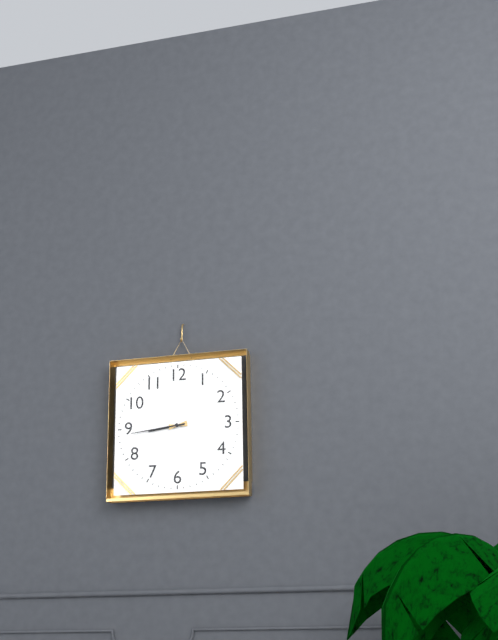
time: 8:44
